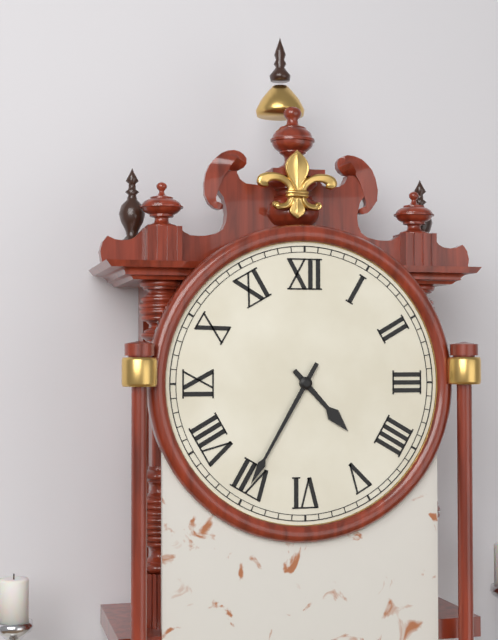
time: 4:35
